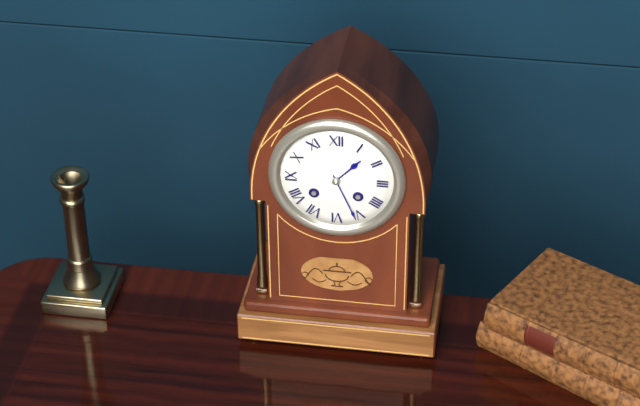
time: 1:26
